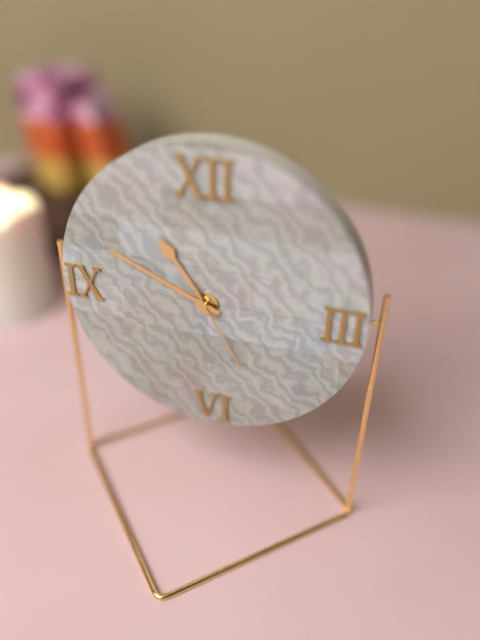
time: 10:49:25
